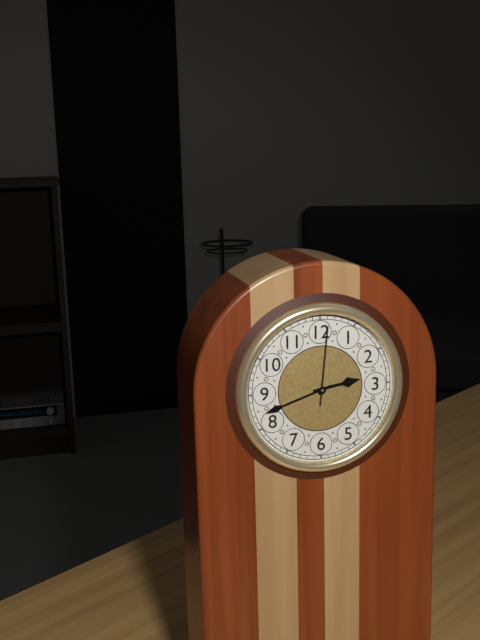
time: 2:42:01
